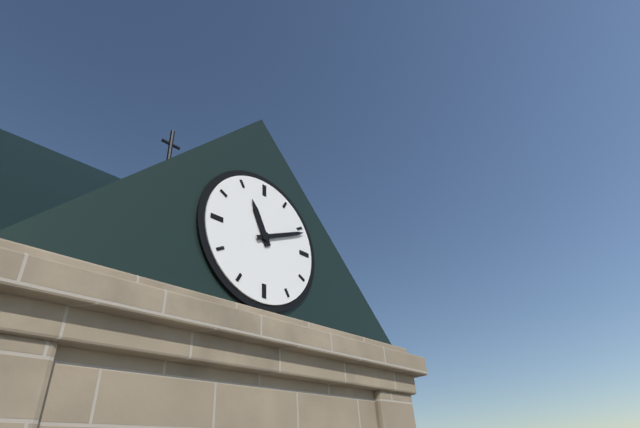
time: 11:11
